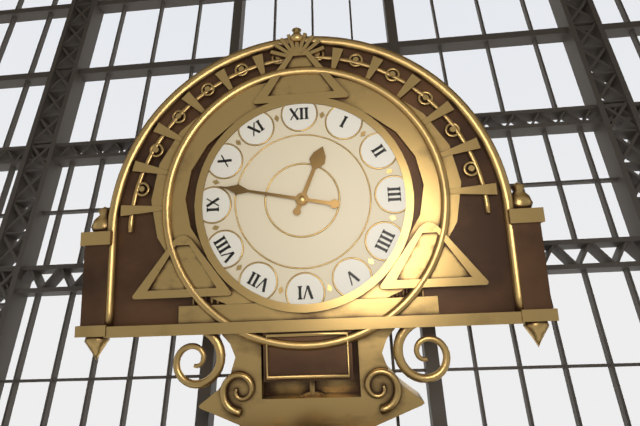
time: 12:47
